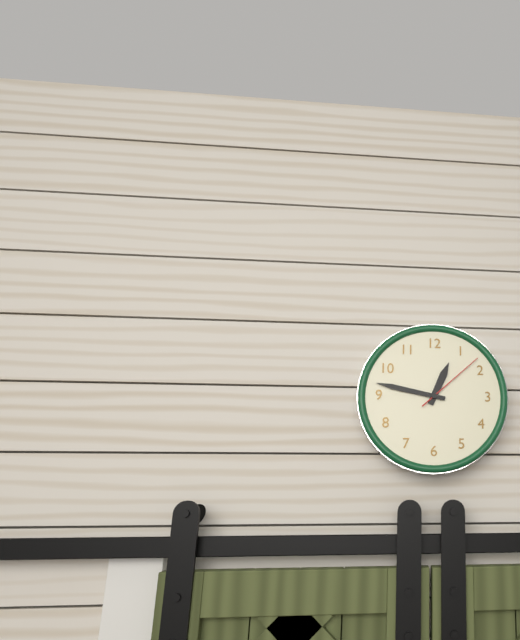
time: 12:47:08
